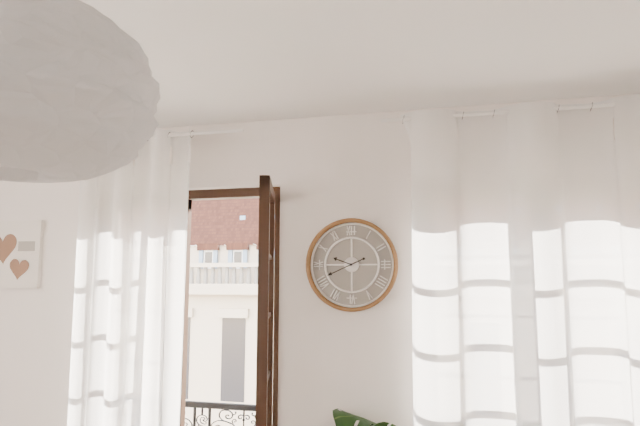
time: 9:41
